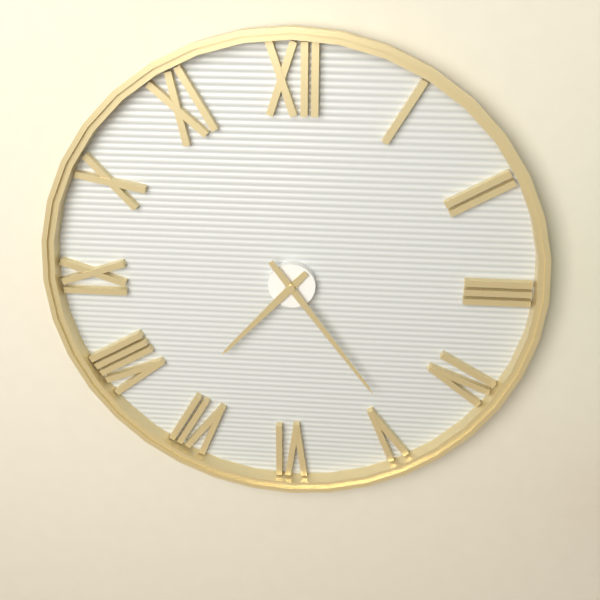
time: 7:24
